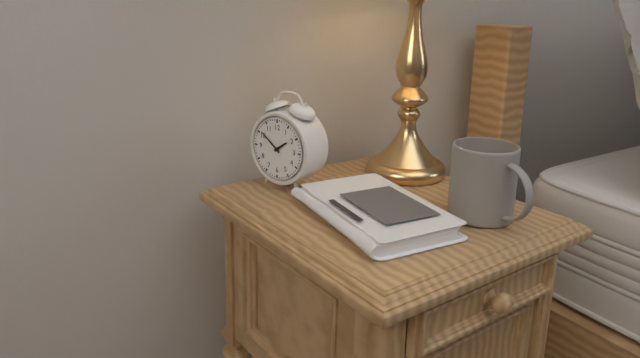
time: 1:51
